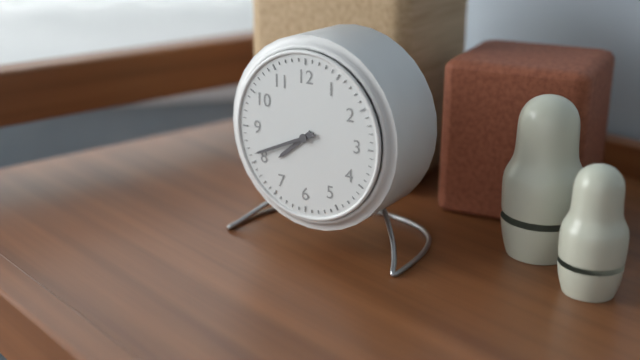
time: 7:41
